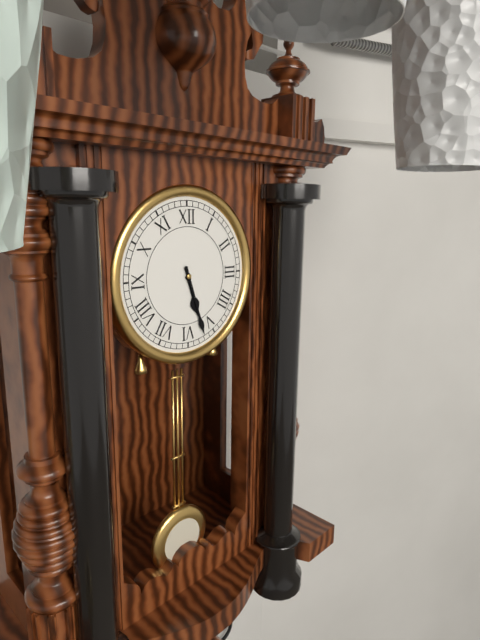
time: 5:27
